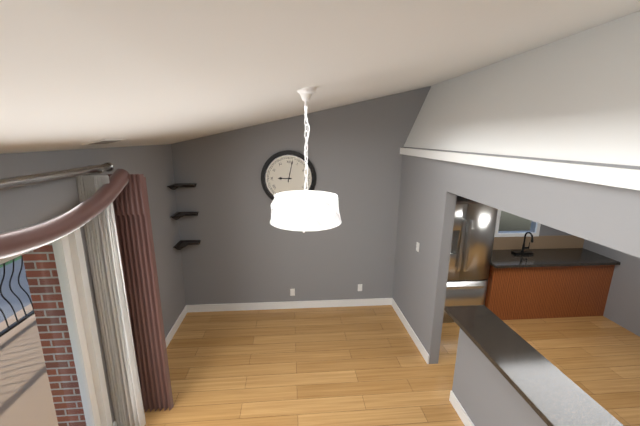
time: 9:02
